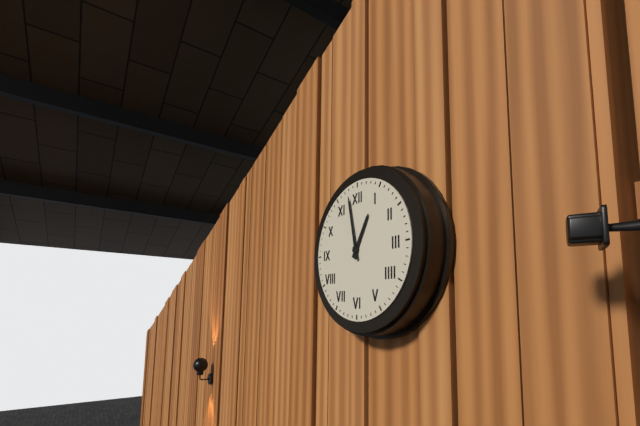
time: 12:58
